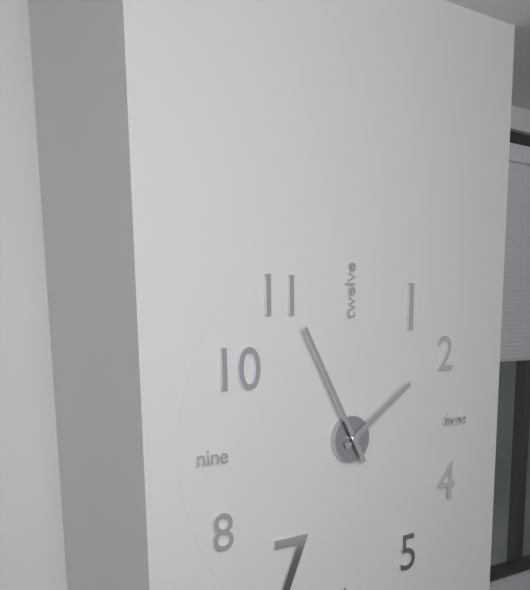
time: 1:55
